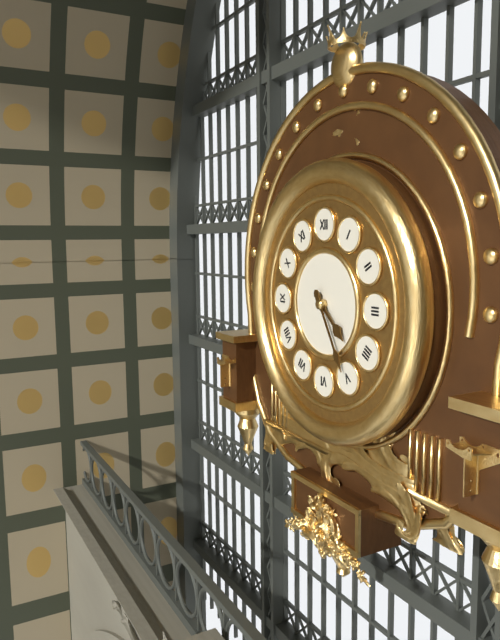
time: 4:25
